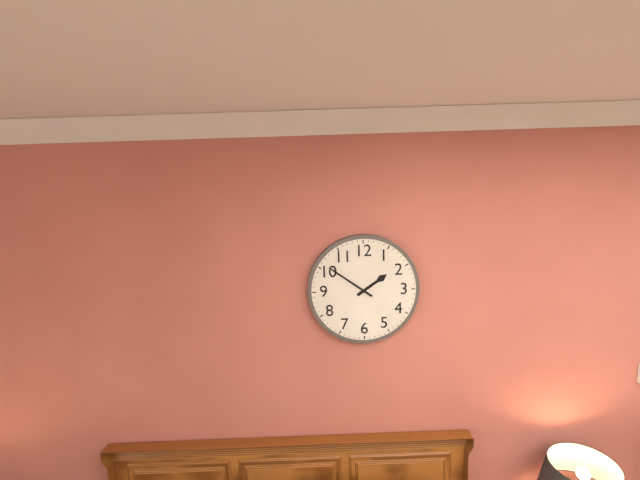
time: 1:51
